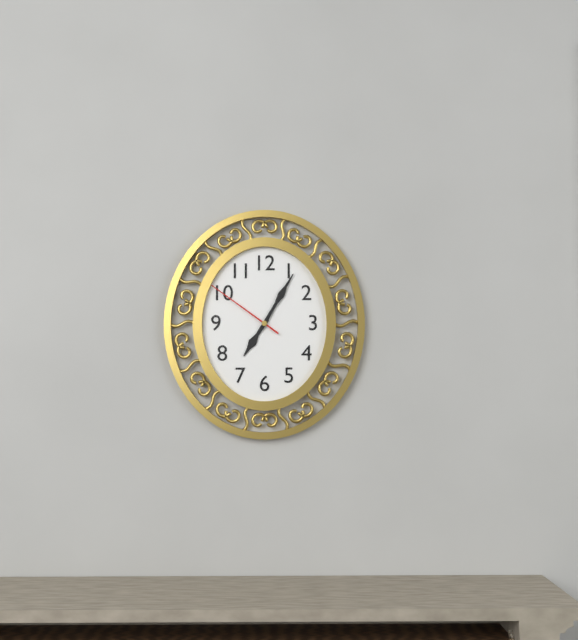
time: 7:05:51
